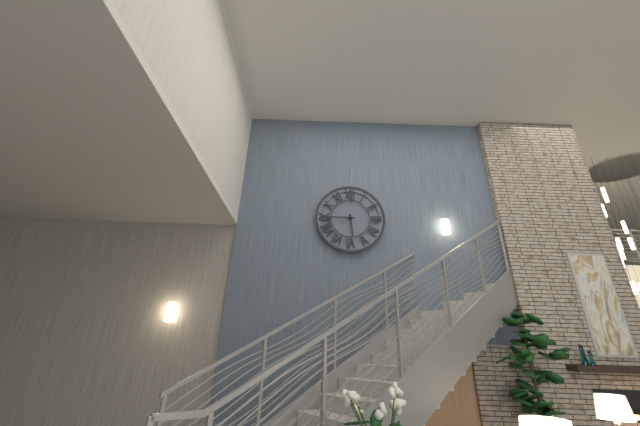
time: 5:45
